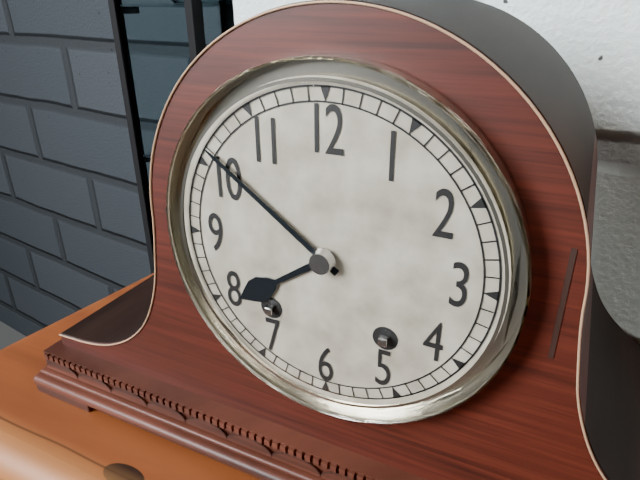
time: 7:51
